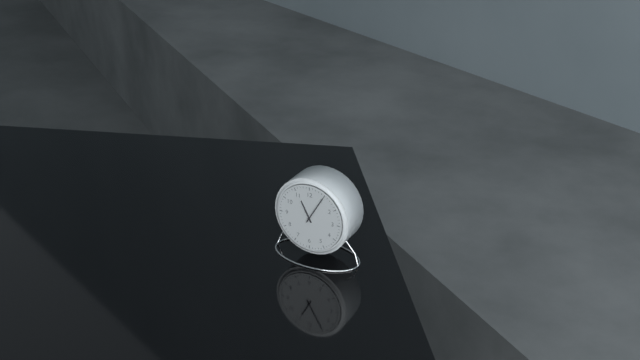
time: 11:05
